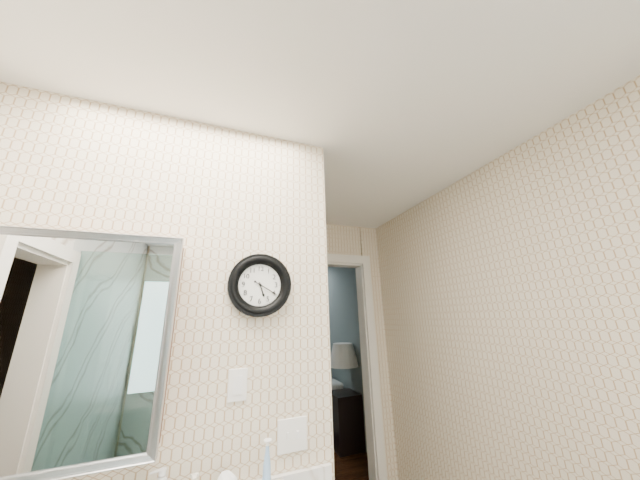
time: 5:20
